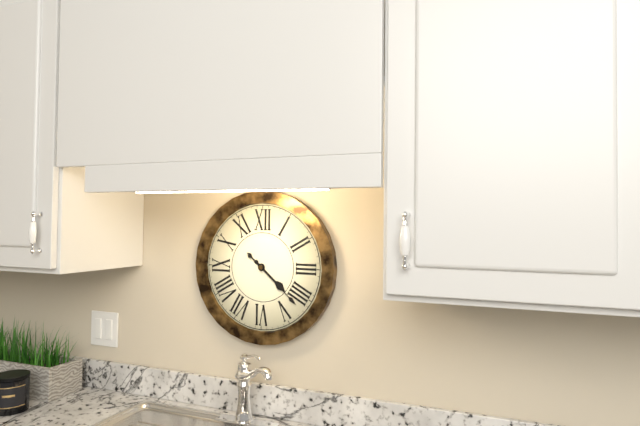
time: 4:22
